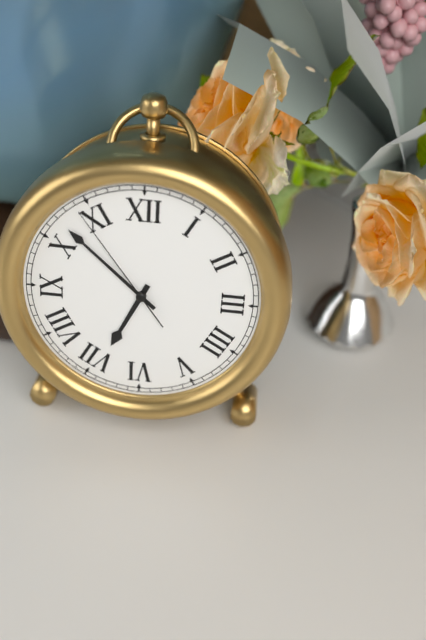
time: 6:52:54
